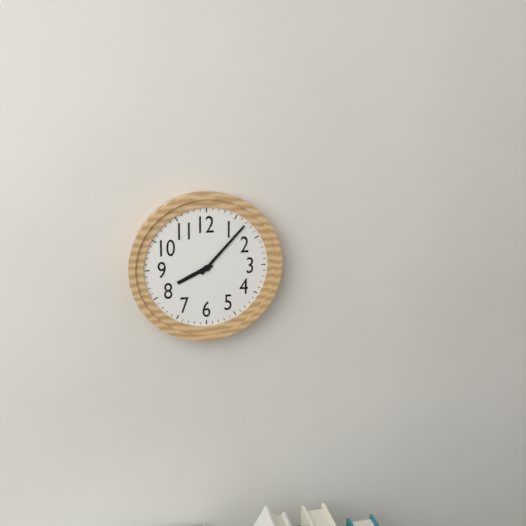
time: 8:07
